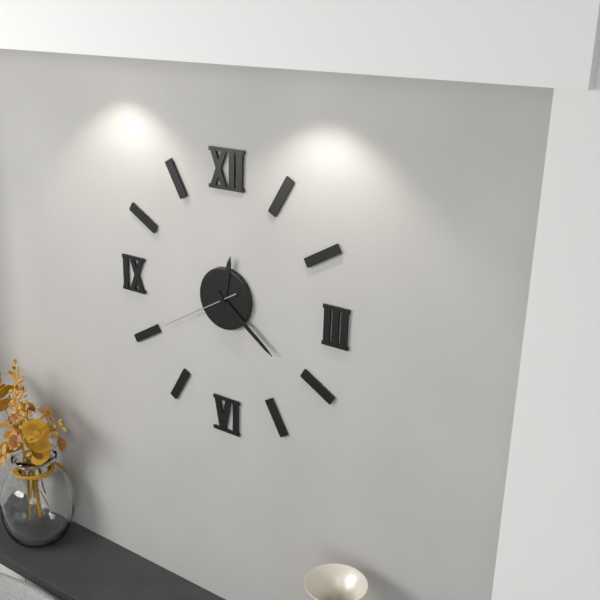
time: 12:21:40
